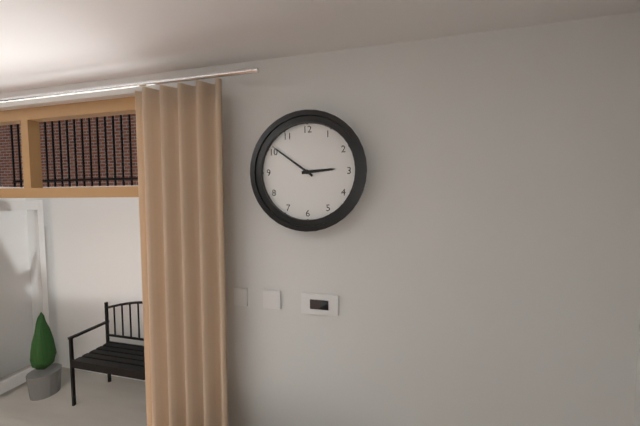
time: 2:51
